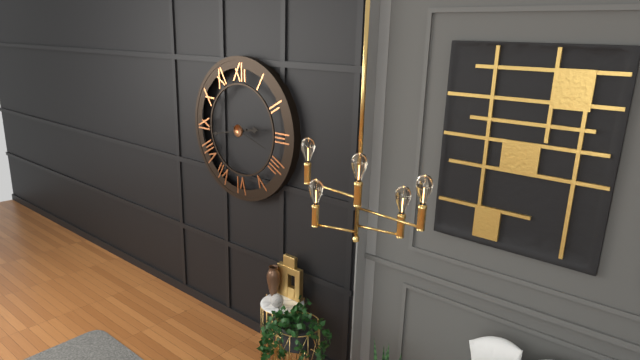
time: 2:43
